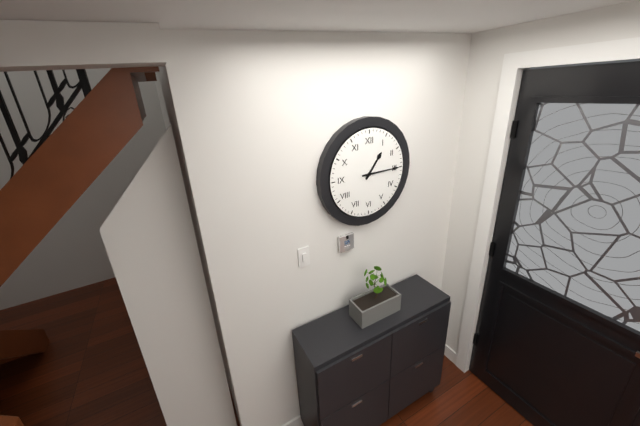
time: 1:15
